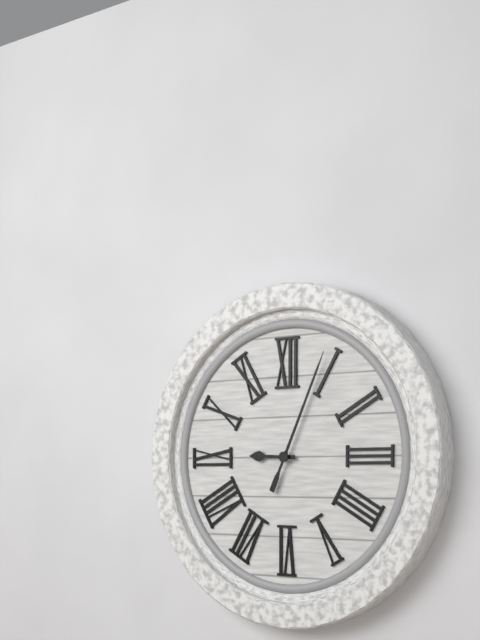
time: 9:04
